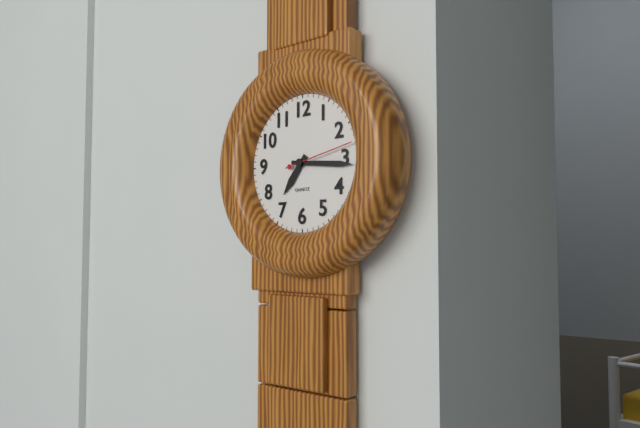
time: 7:16
